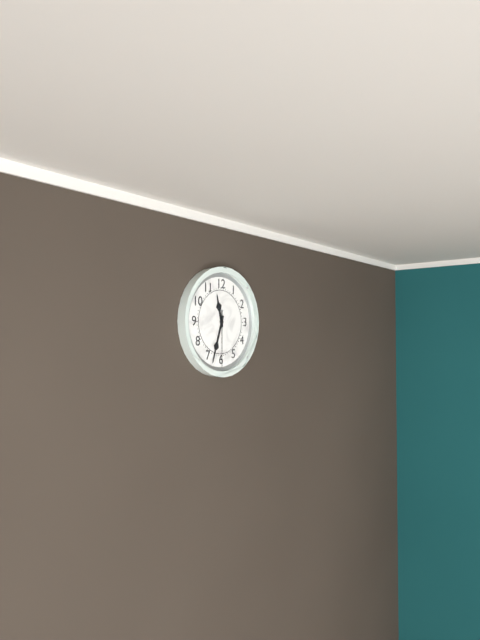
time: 11:33:30
